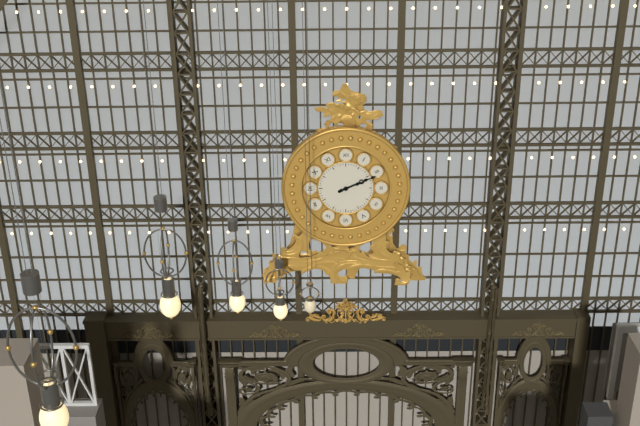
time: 2:11
